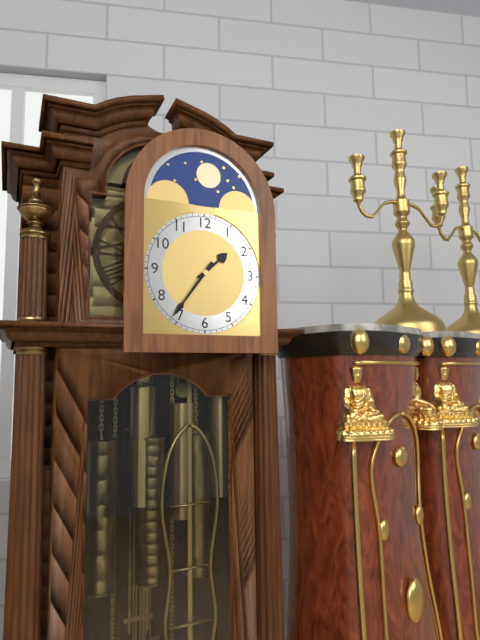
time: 1:36
